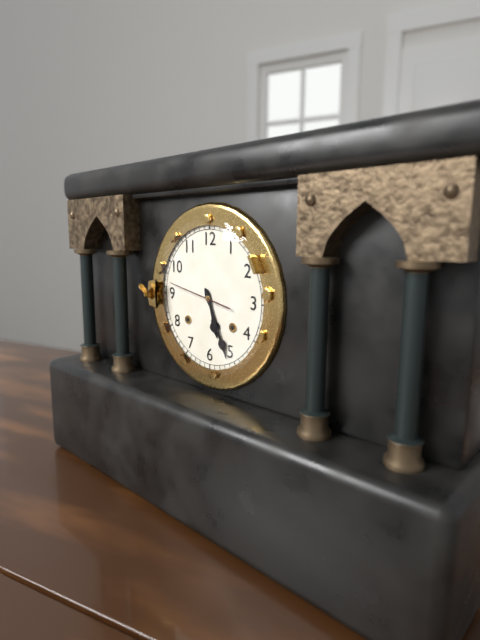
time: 5:26:47
